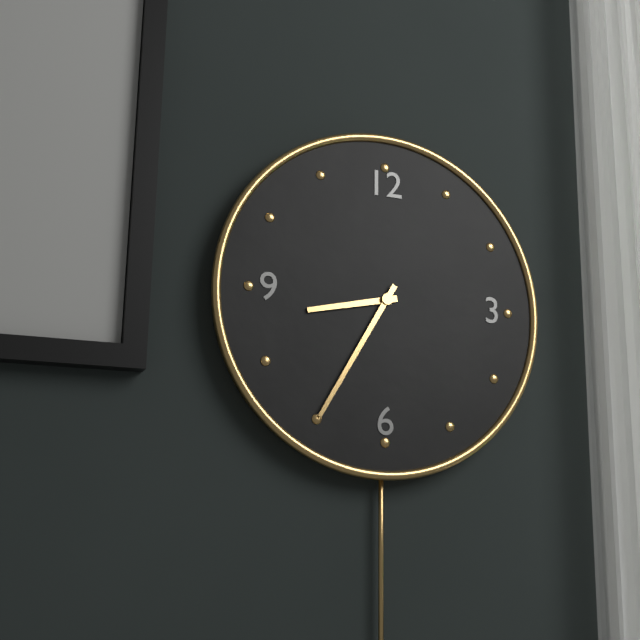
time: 8:35
